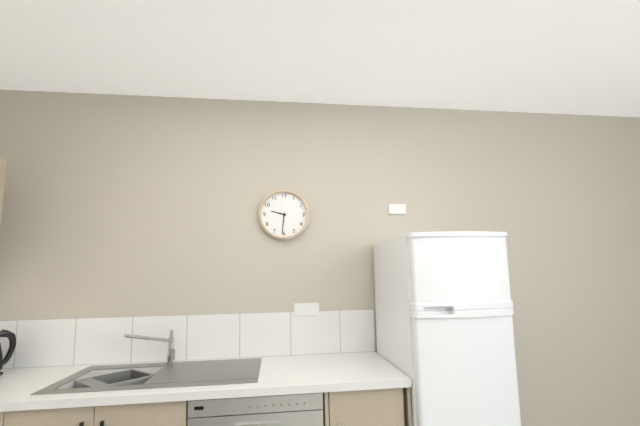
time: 9:31
